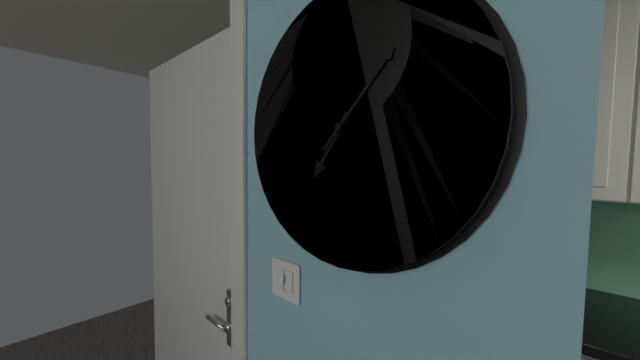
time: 7:07
